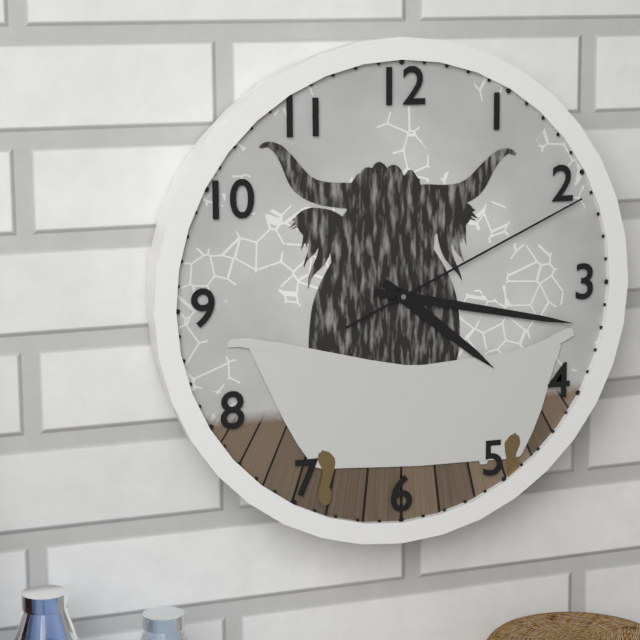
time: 4:17:11
